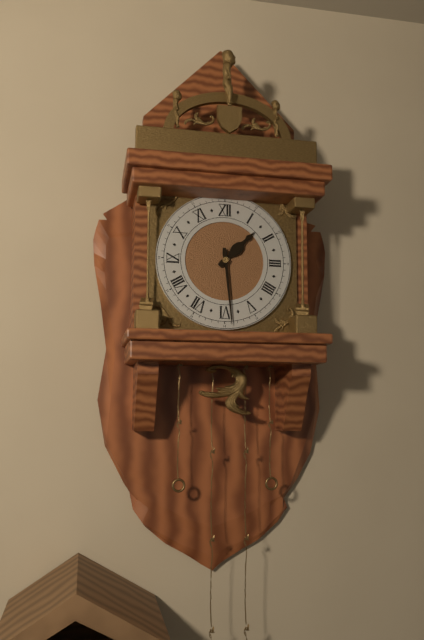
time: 1:29
